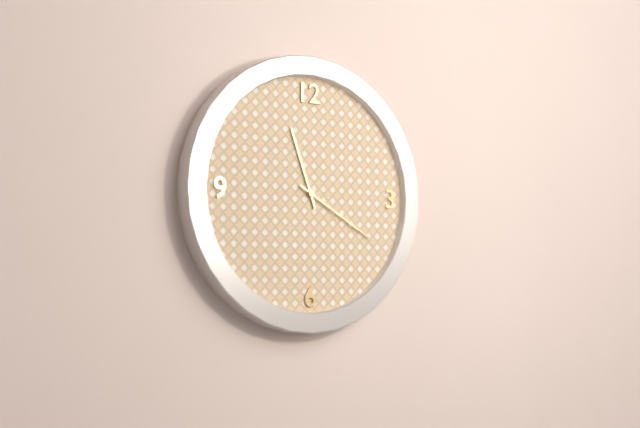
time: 11:20
